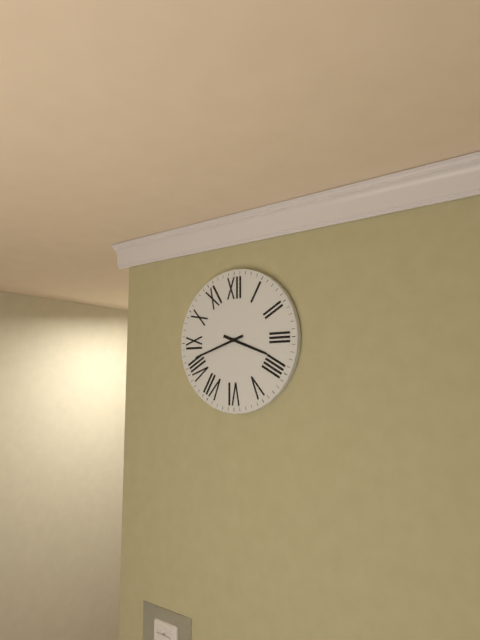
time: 3:42
